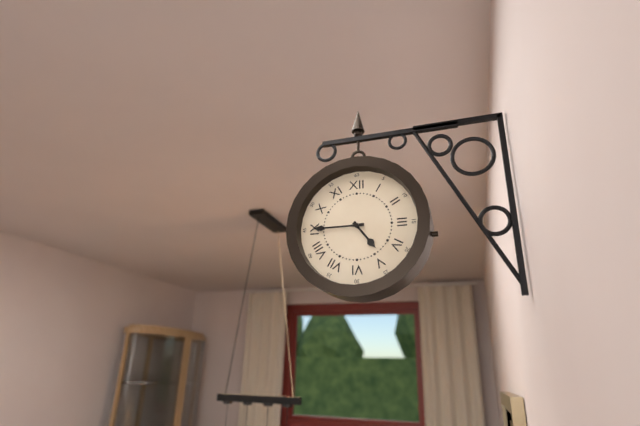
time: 4:45
